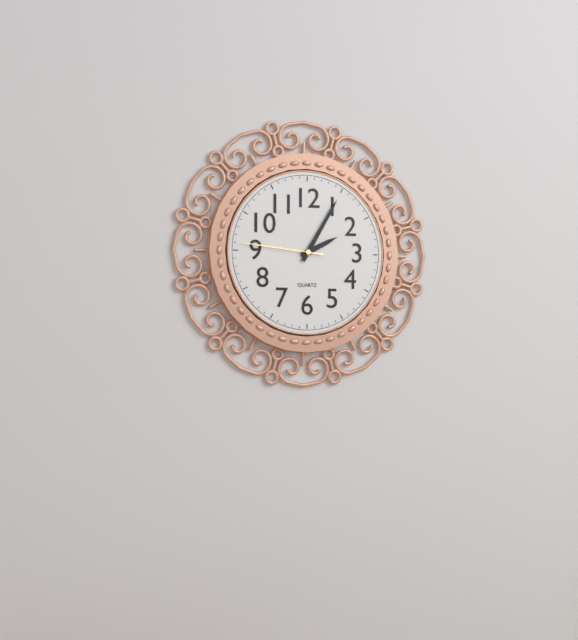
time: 2:05:46
